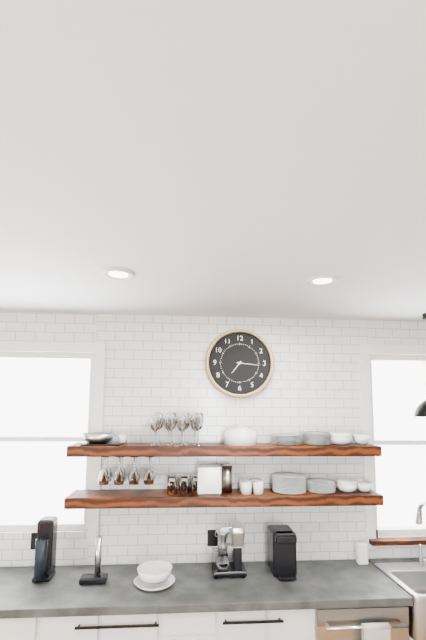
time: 7:16
